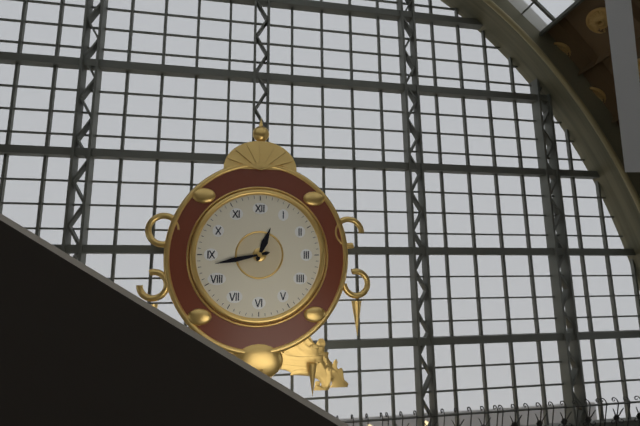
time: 12:43
